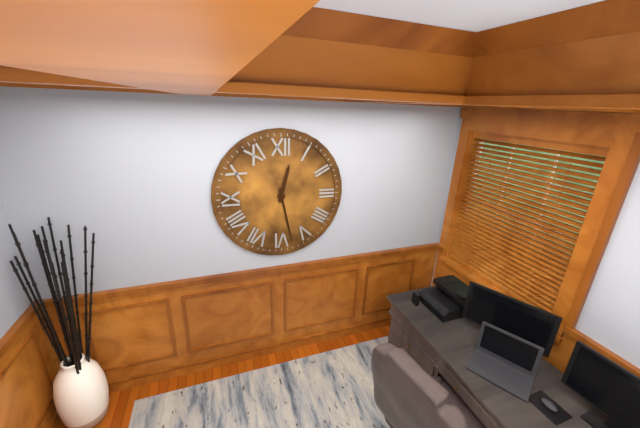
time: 12:28
